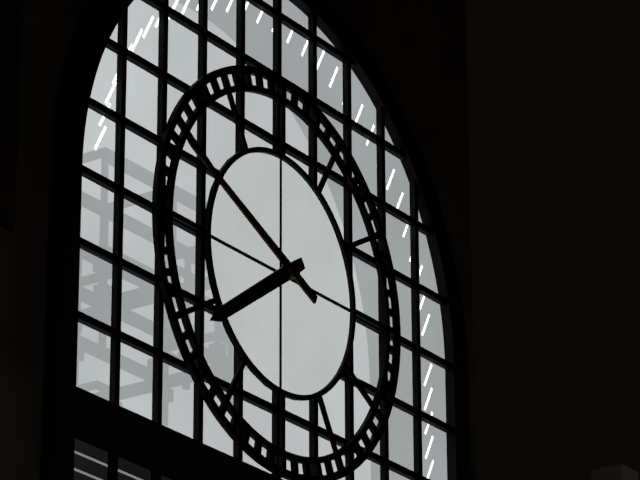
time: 7:49
